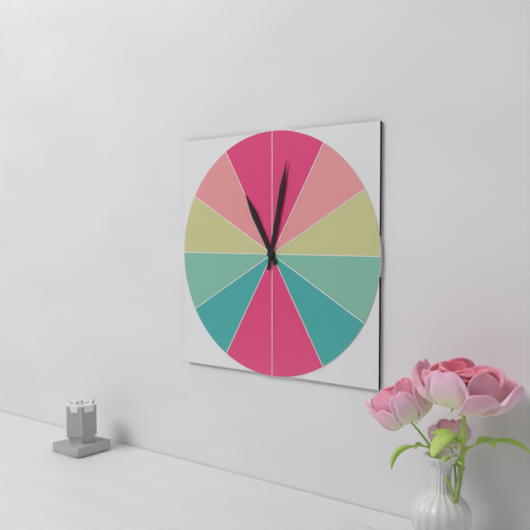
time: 11:02
